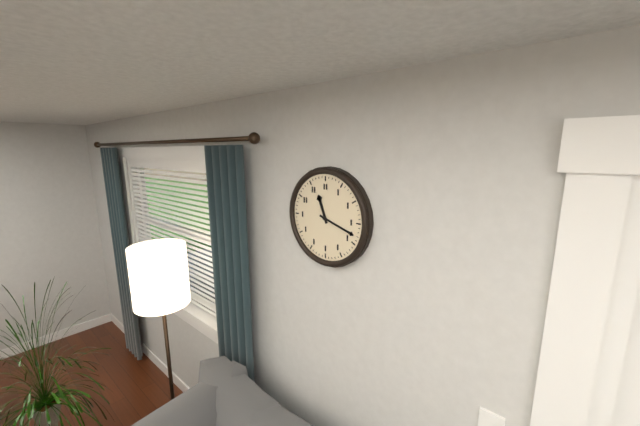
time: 11:18
